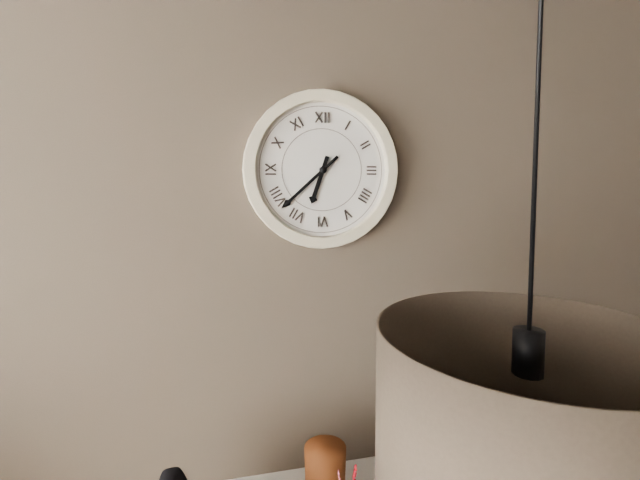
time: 6:38
